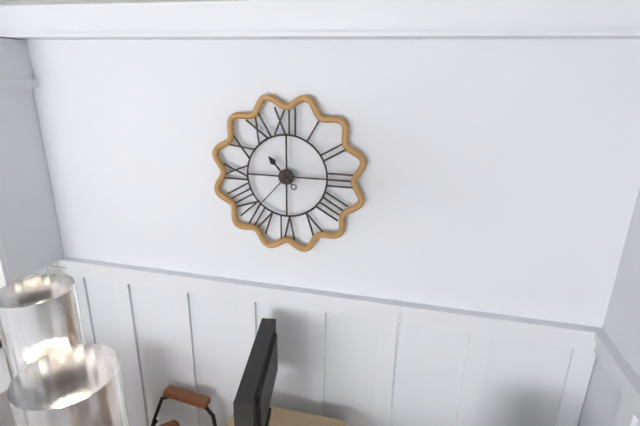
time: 10:37
